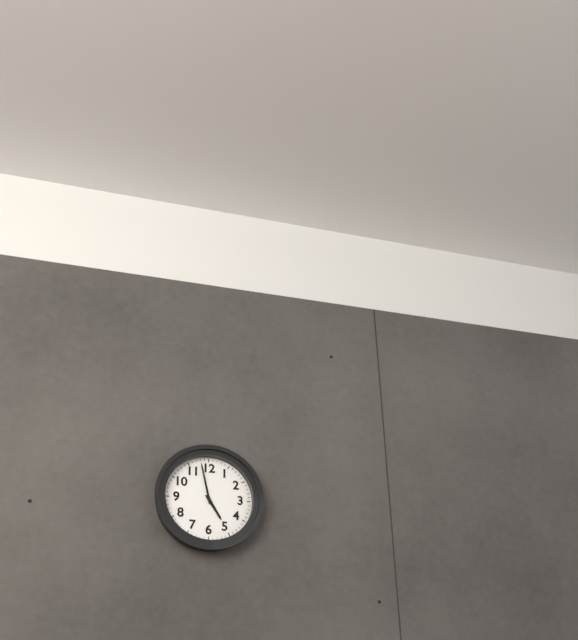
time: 4:58
